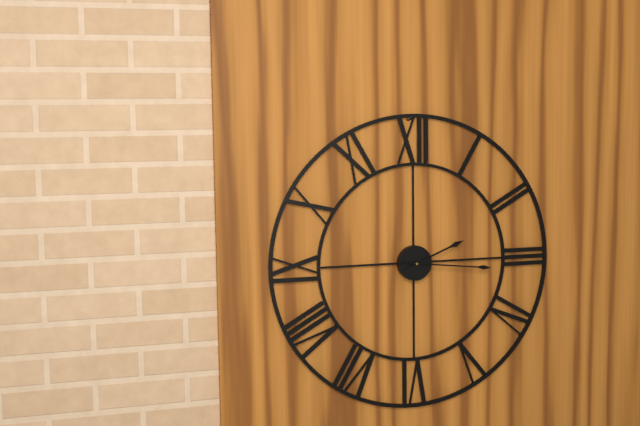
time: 2:16
